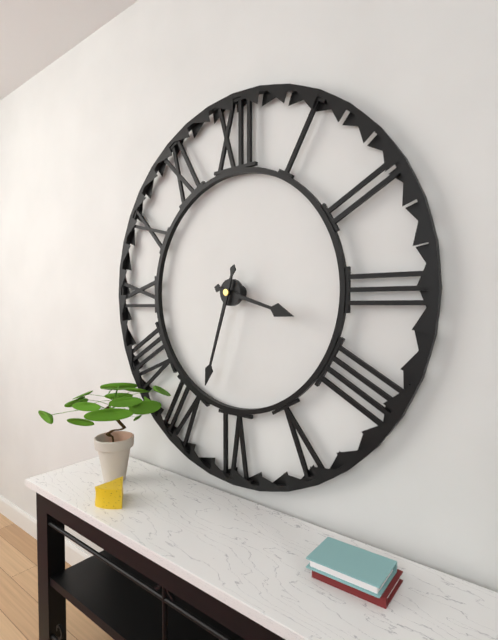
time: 3:33
